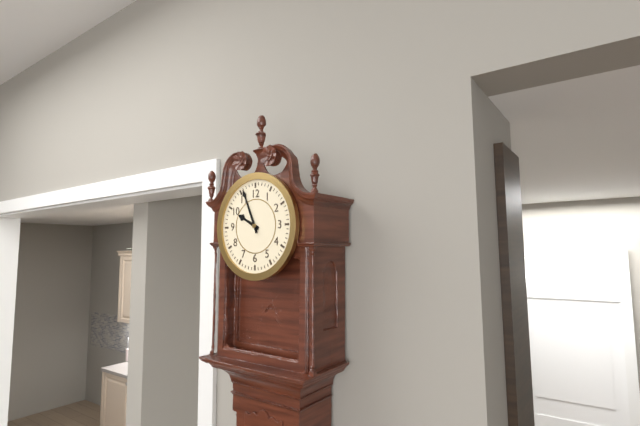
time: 9:56
